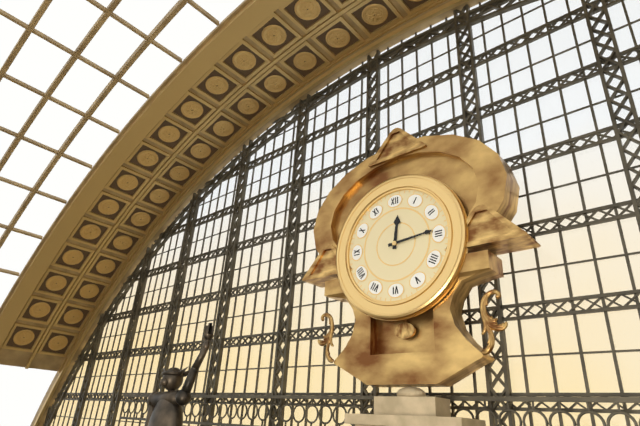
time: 12:14
